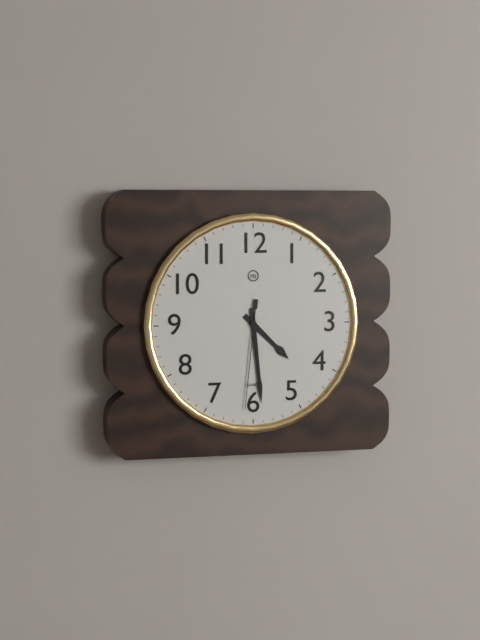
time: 4:29:31
